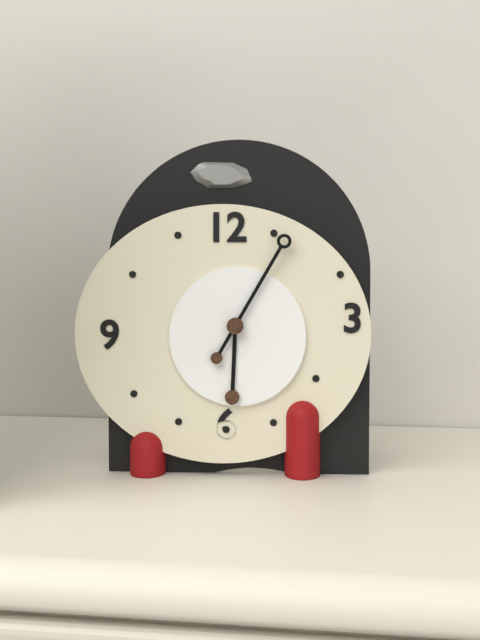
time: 6:05
